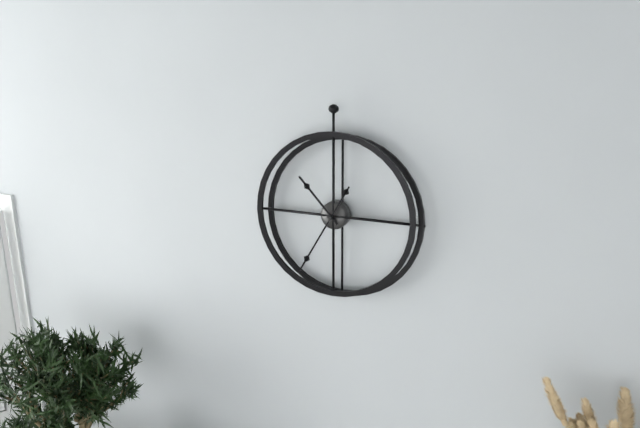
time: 10:35
